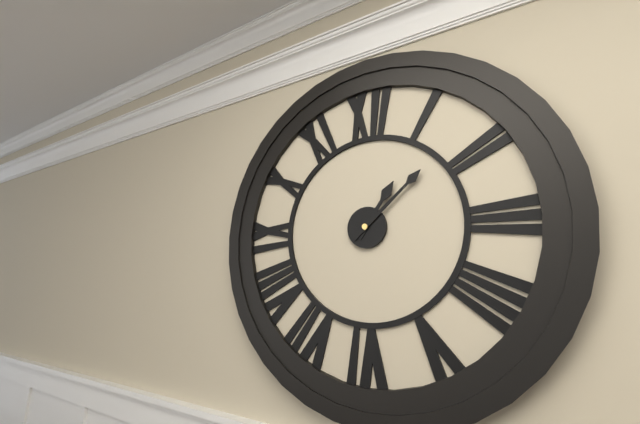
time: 1:08
